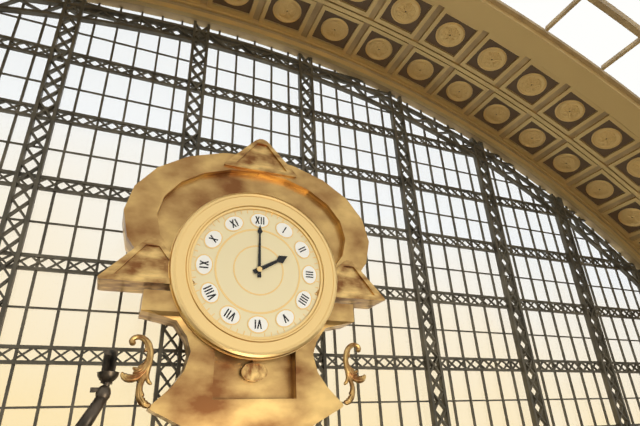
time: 2:00
